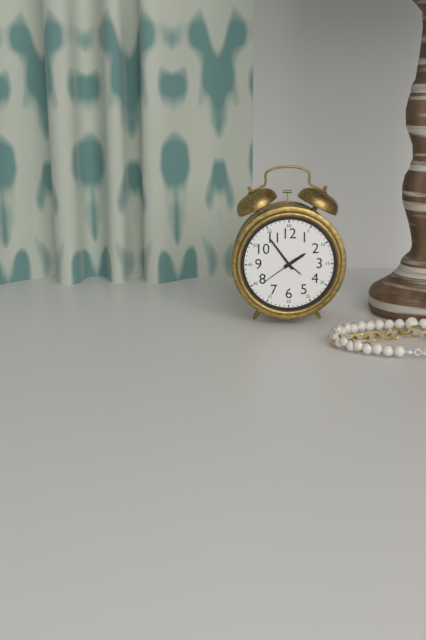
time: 1:54
